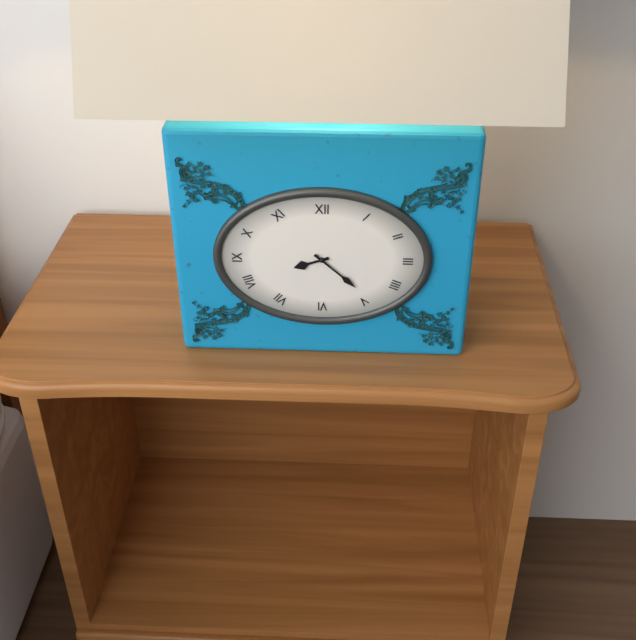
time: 8:22
